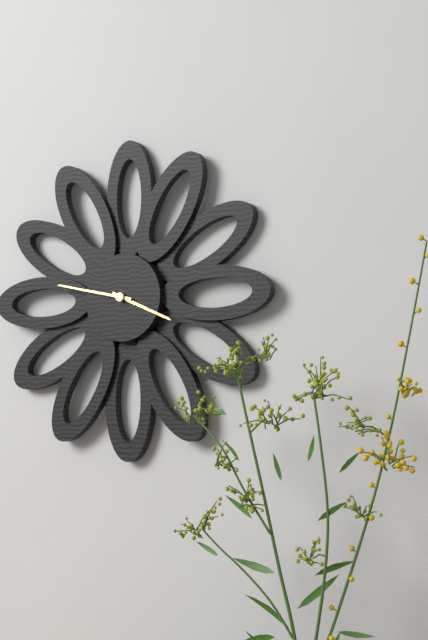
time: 3:47
